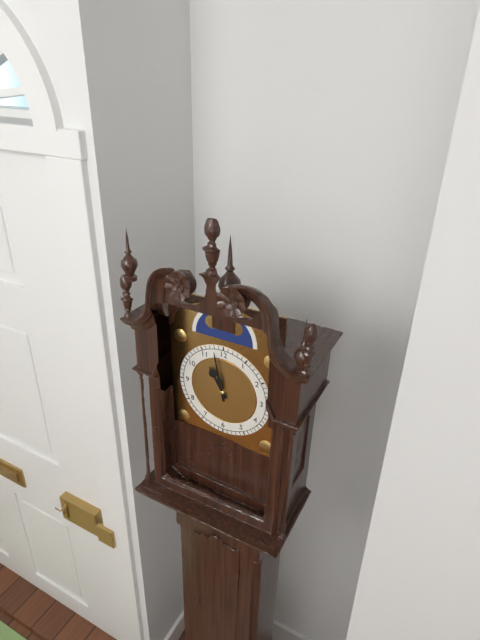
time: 10:58
